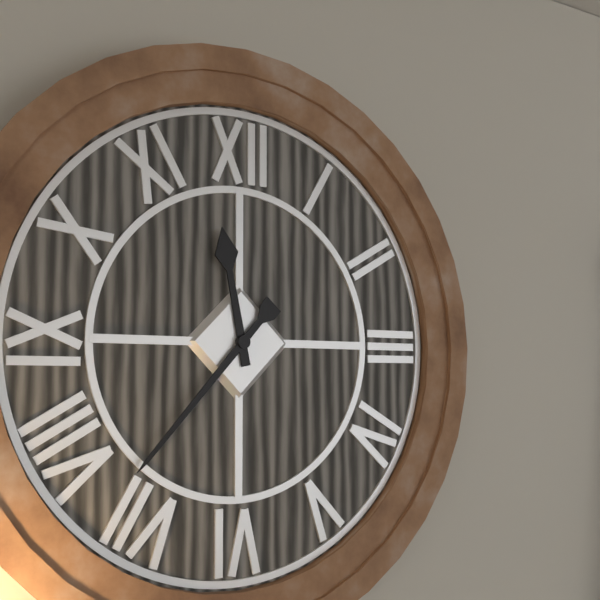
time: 11:37
